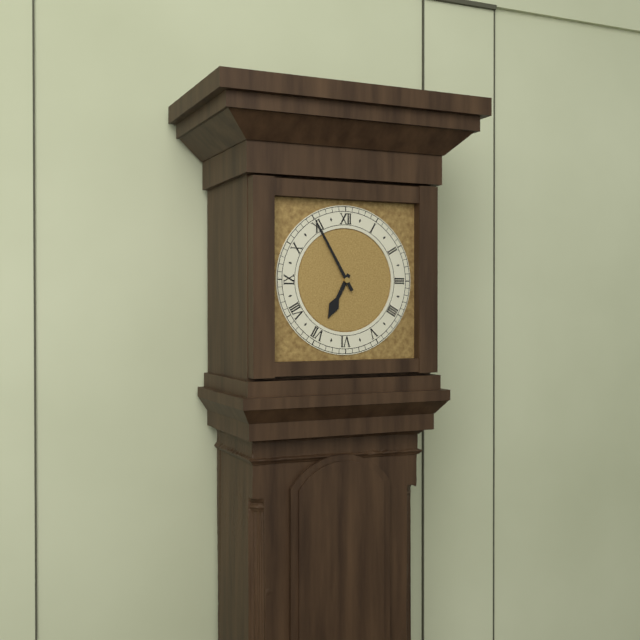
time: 6:55
